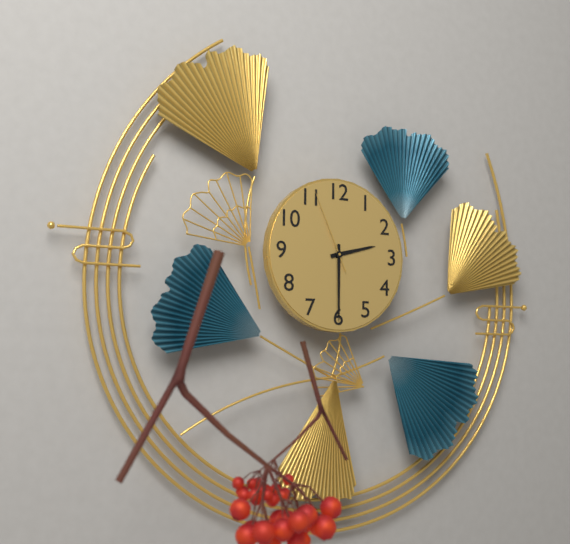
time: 2:30:56
